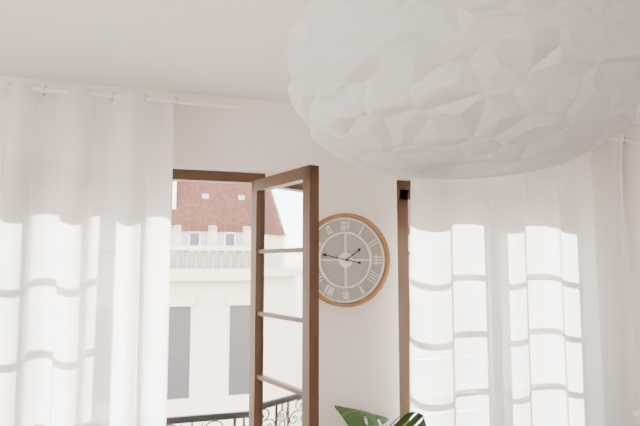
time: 1:47
